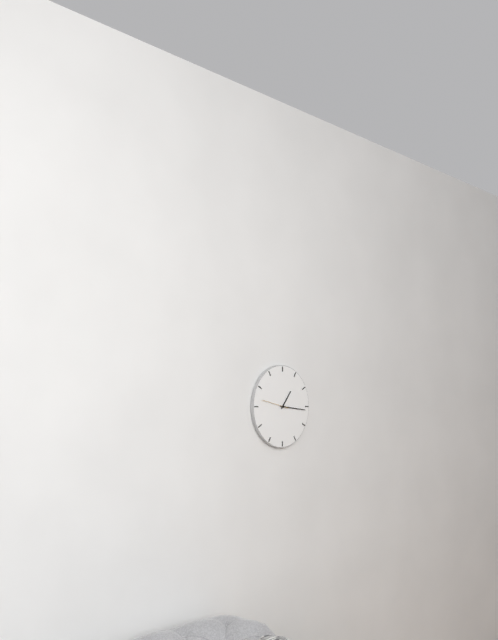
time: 1:16
